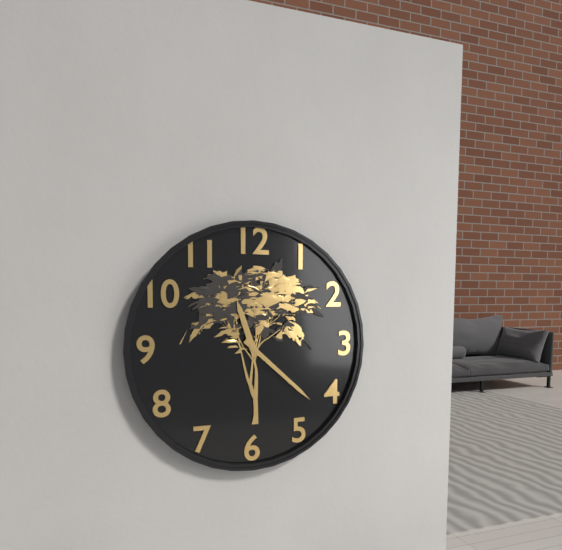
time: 11:22
